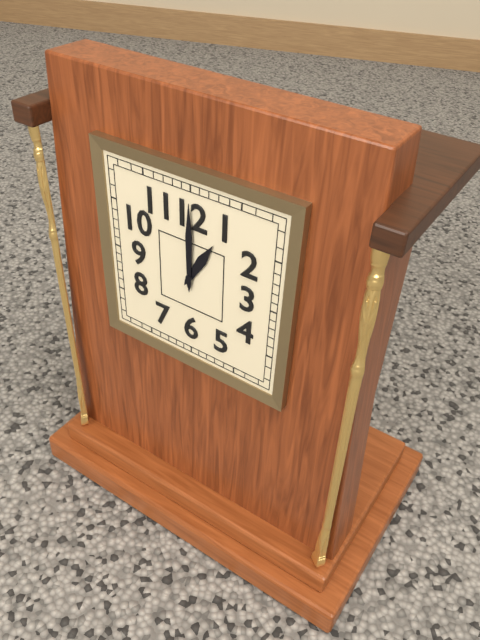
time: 1:00
